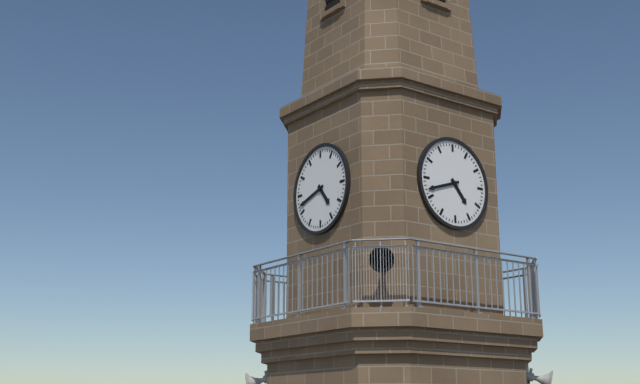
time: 4:42
